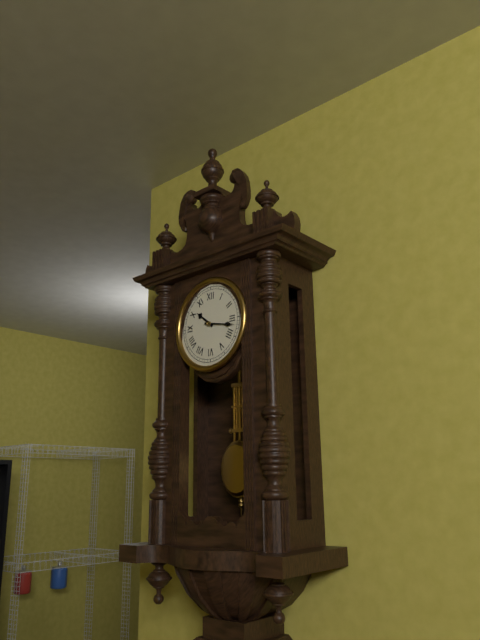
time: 10:17
